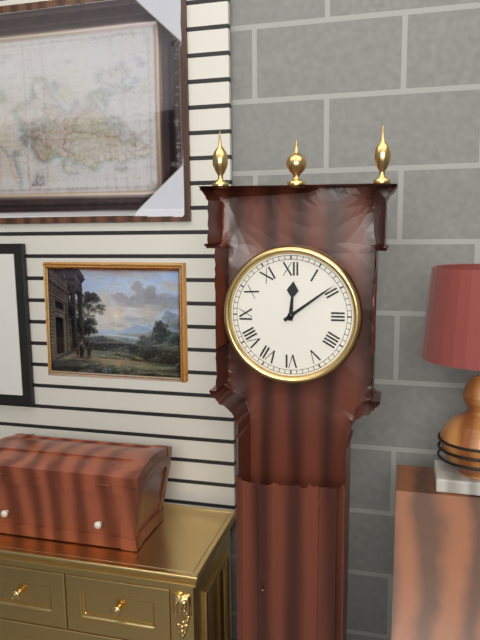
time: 12:09
